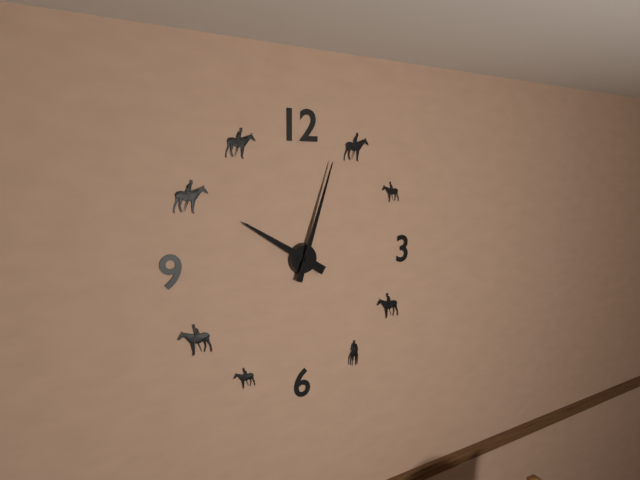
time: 10:03
